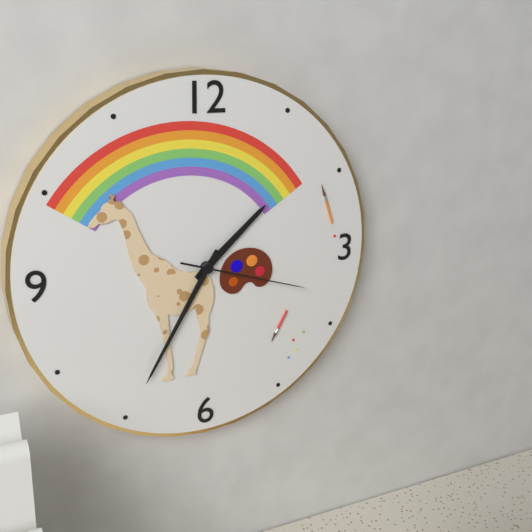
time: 1:35:18
